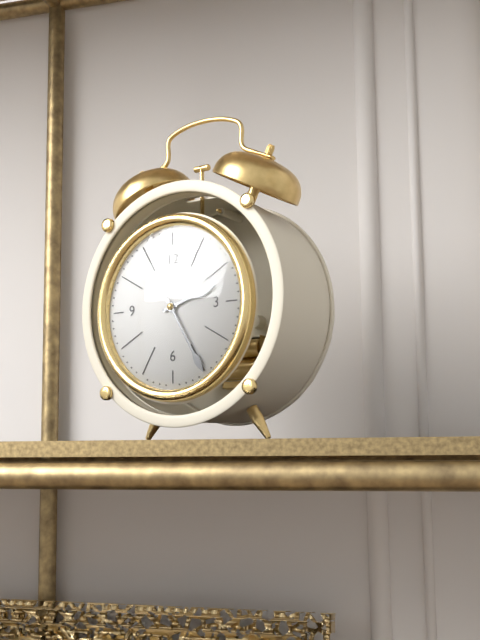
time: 2:25
